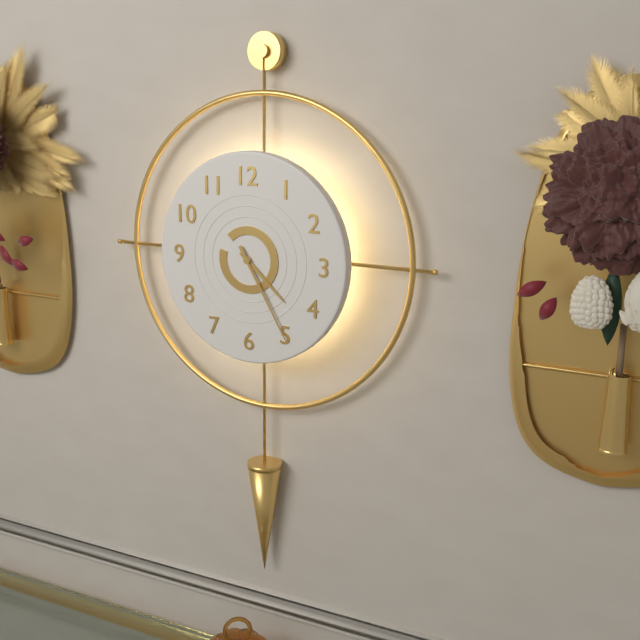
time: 4:25
